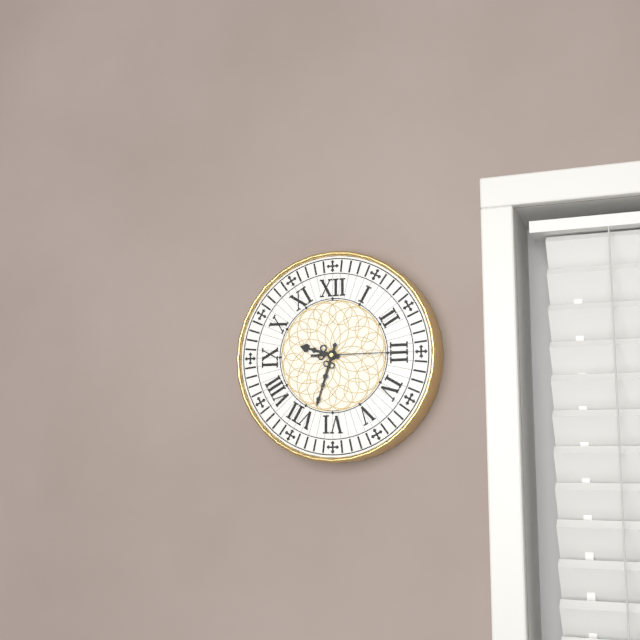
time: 9:33:15
